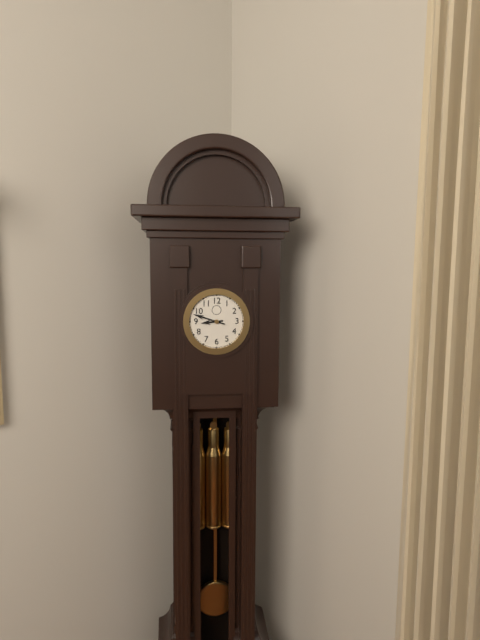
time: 8:48
